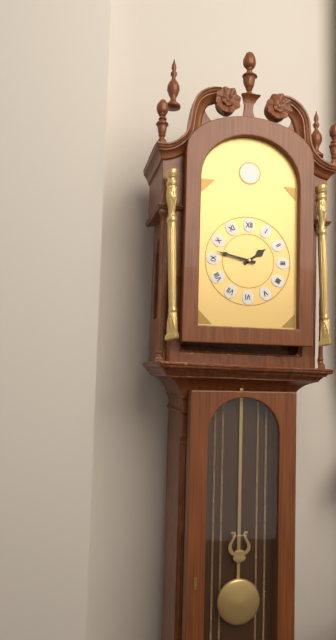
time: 1:47
